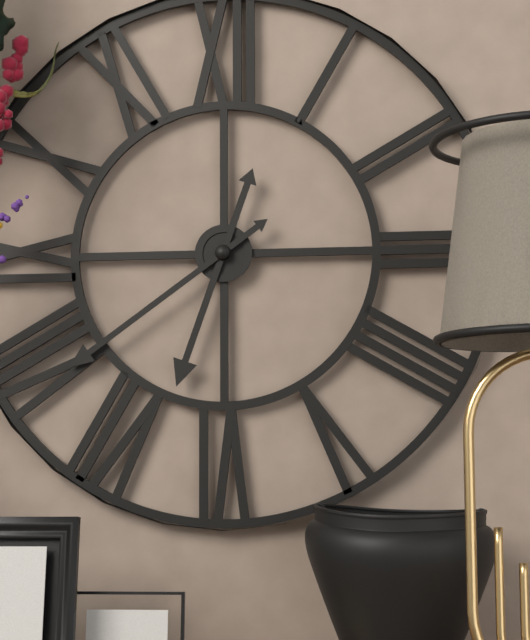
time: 6:39
